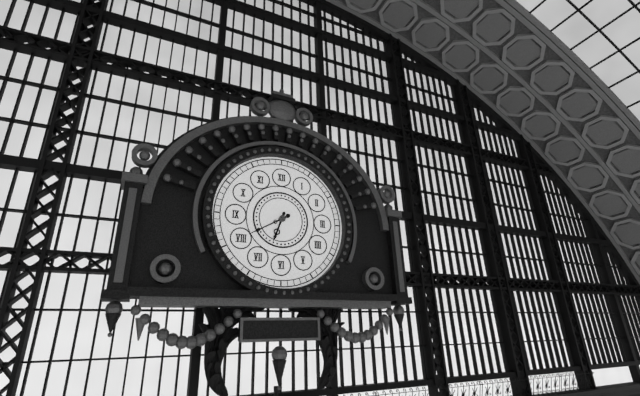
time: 6:40
